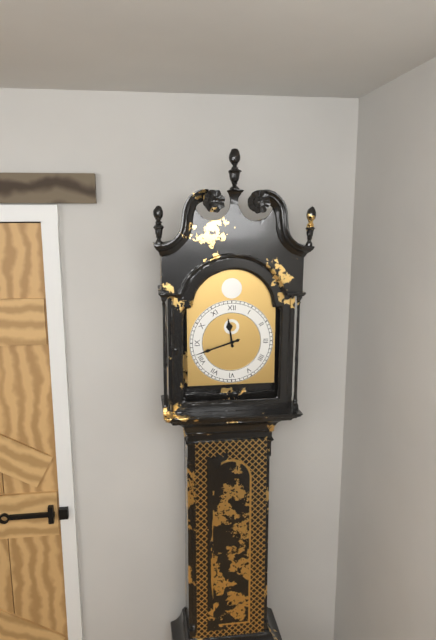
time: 11:42
